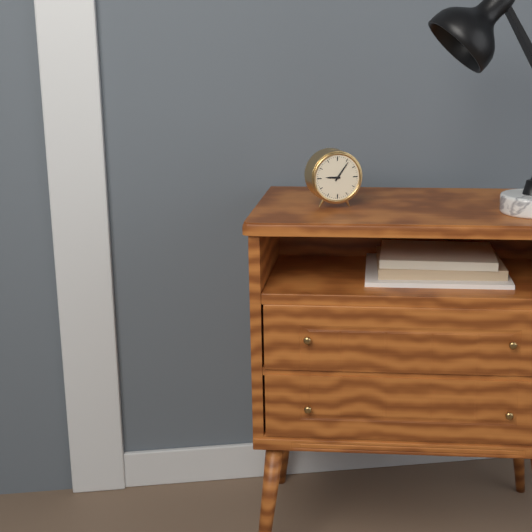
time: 9:06
